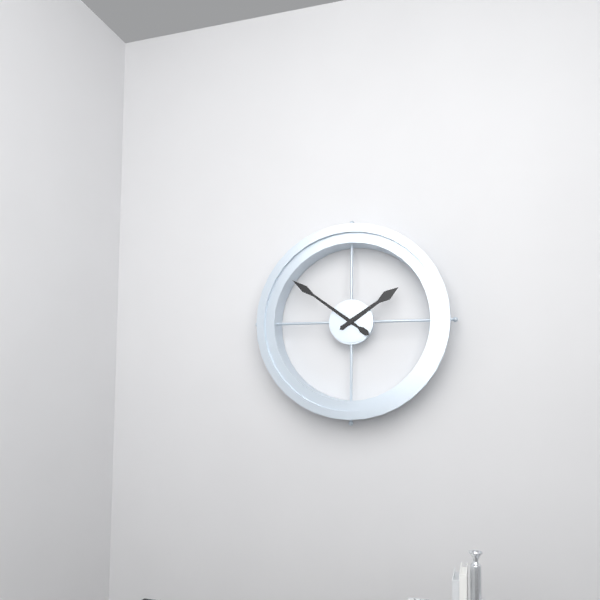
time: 1:51
